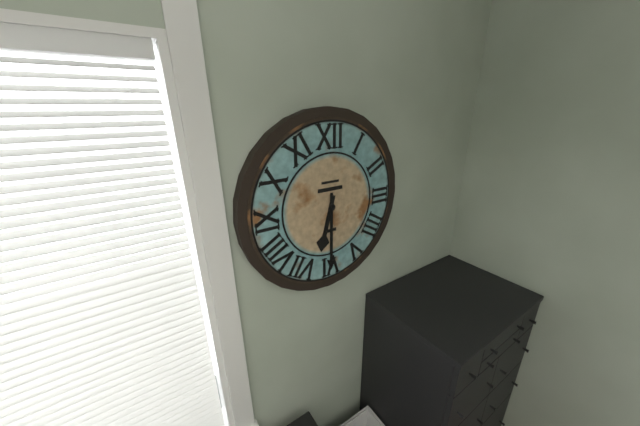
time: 6:30
